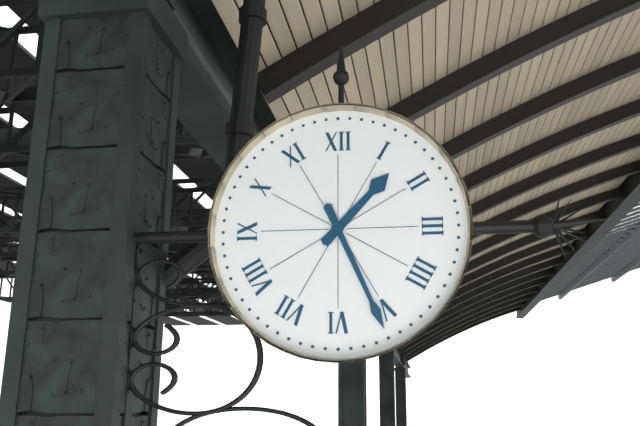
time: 1:26
